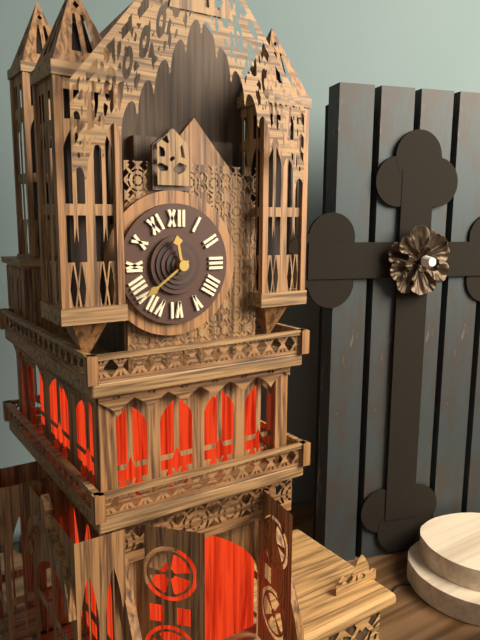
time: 11:39
